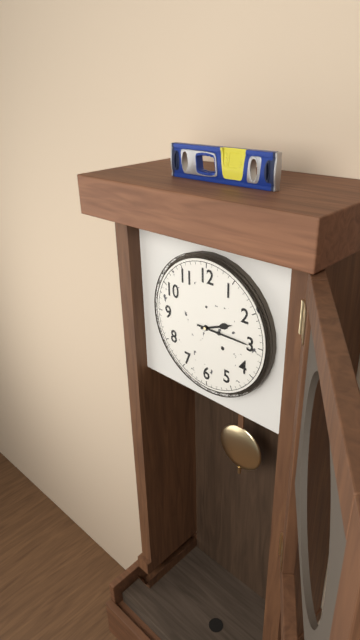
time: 2:15
